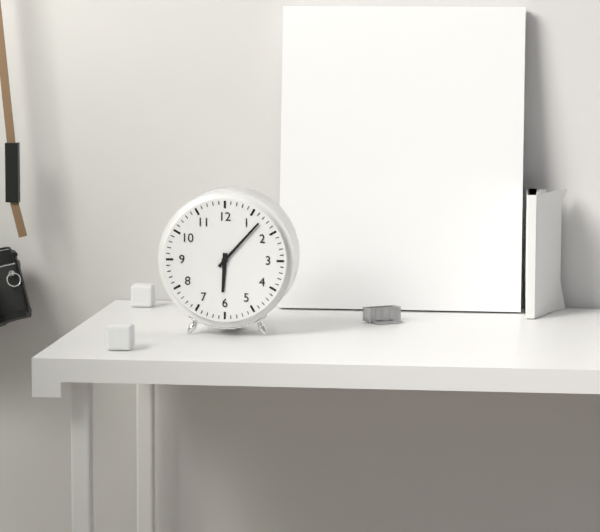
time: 6:07
